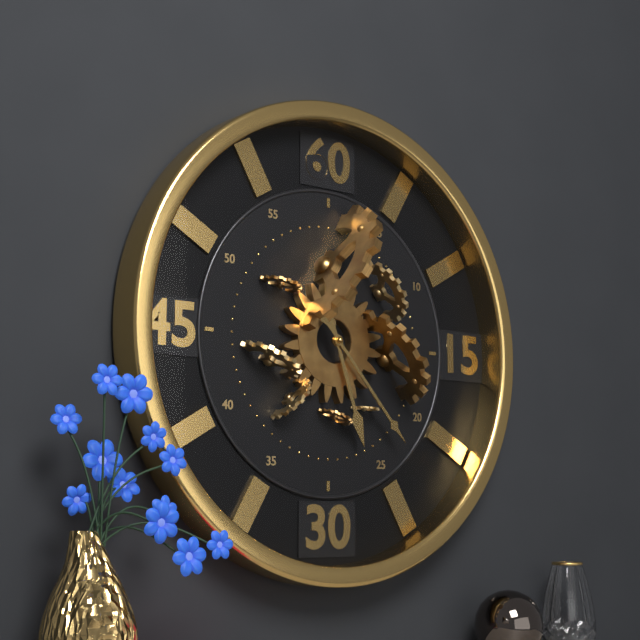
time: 5:23
